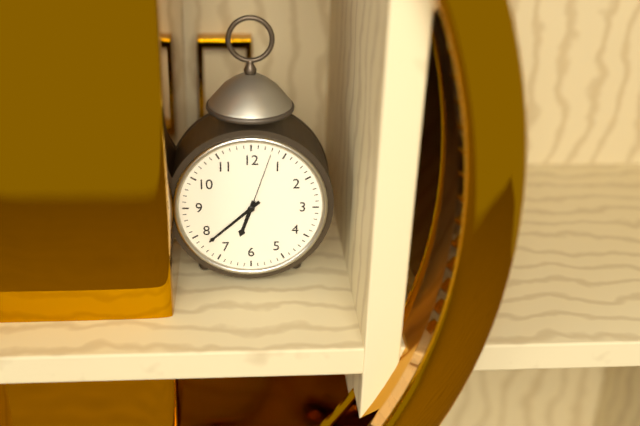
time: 6:38:03
